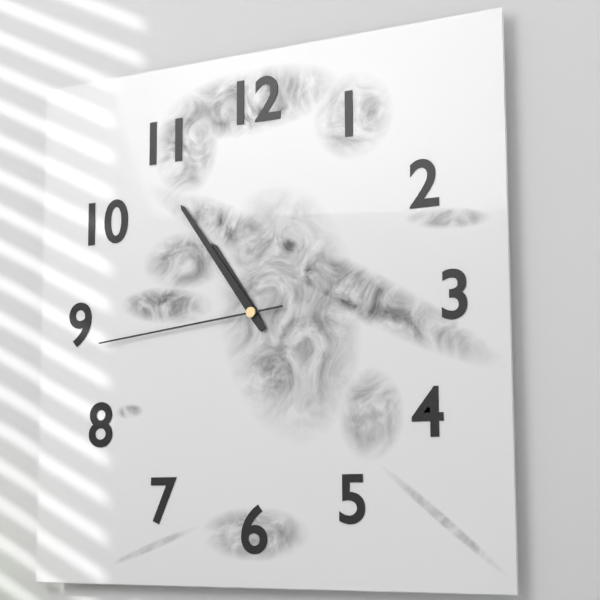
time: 10:54:44
